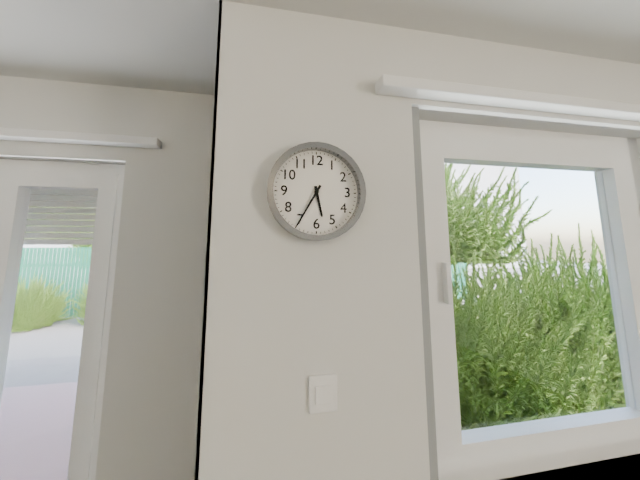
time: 5:35
